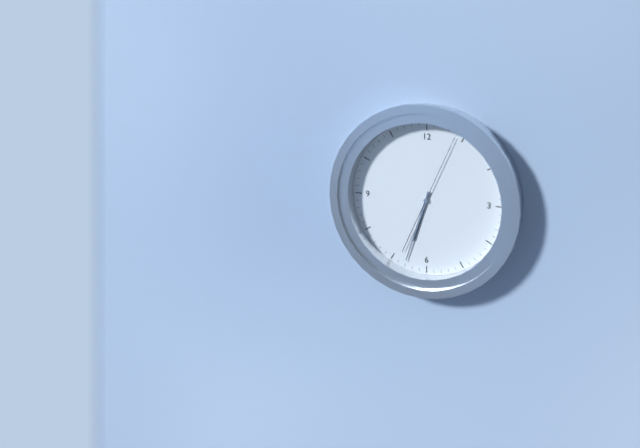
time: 6:33:04
